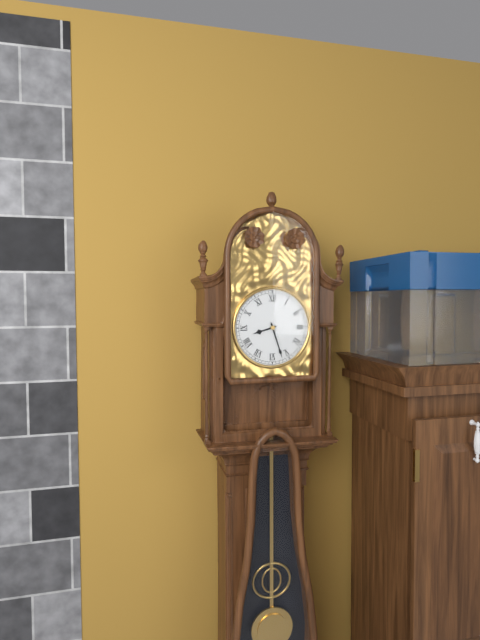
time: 8:27
